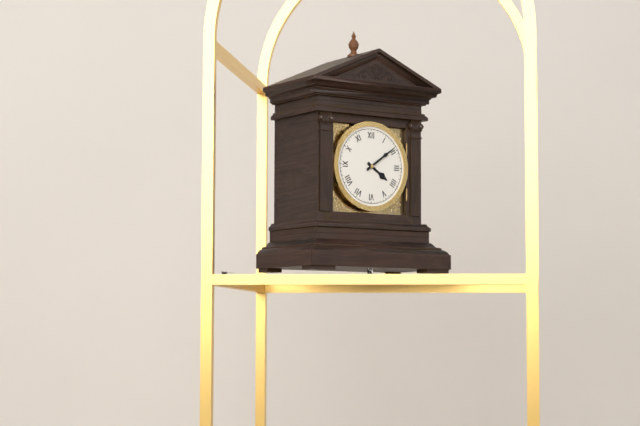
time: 4:09
